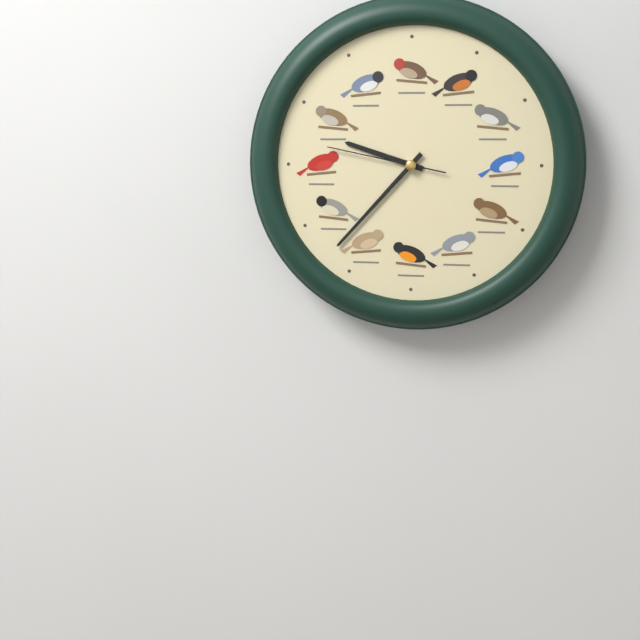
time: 9:37:47
